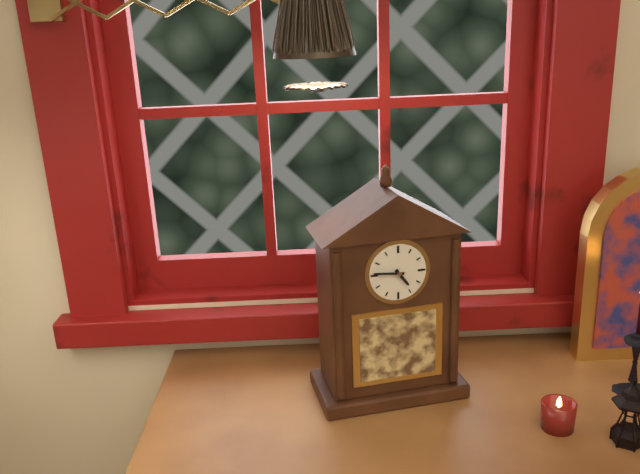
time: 4:46
